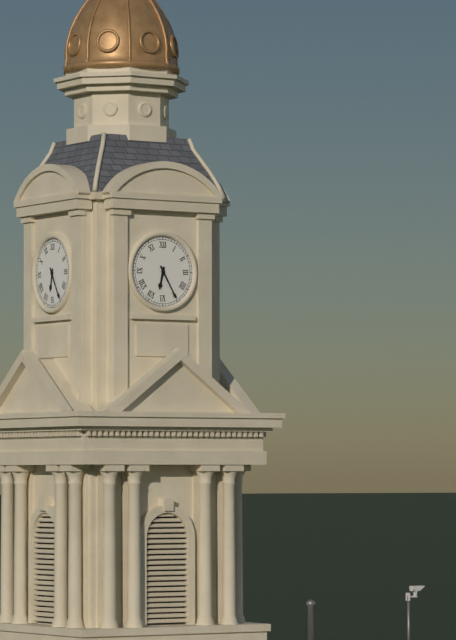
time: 6:25
